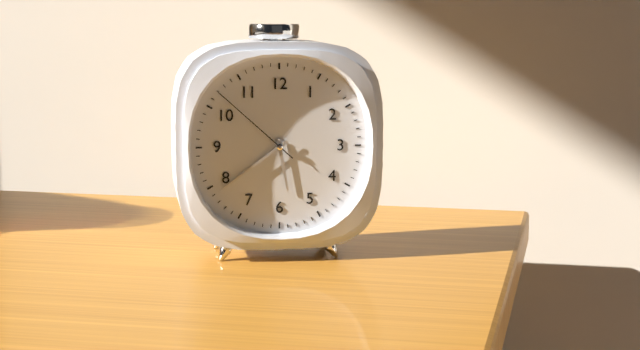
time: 5:39:52
